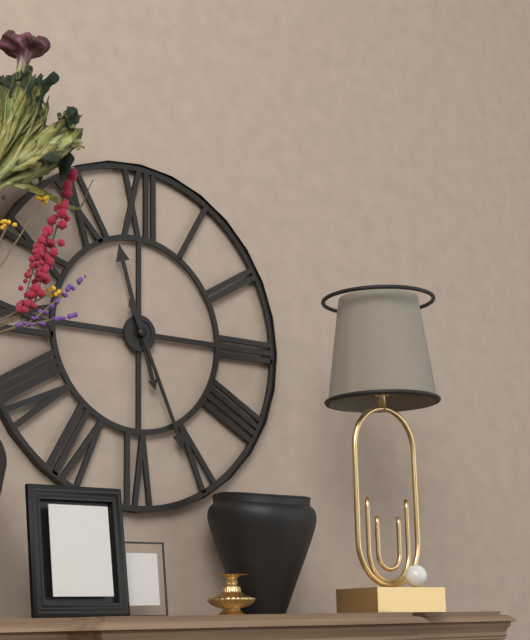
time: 11:26
